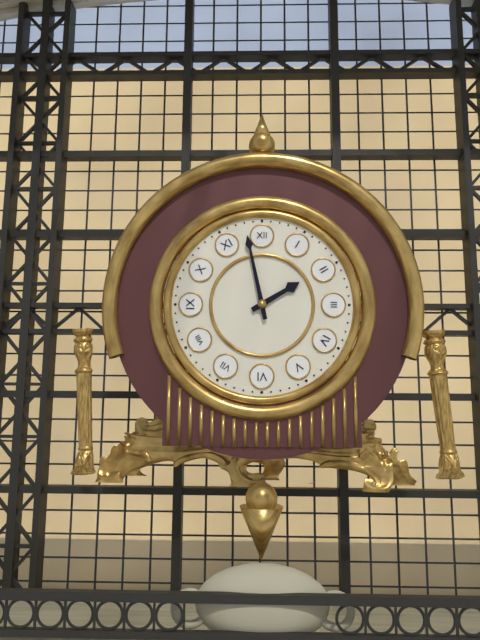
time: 1:58
